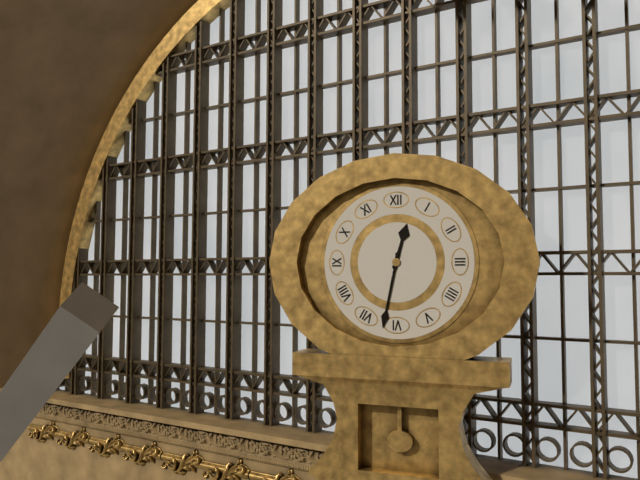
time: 12:32
